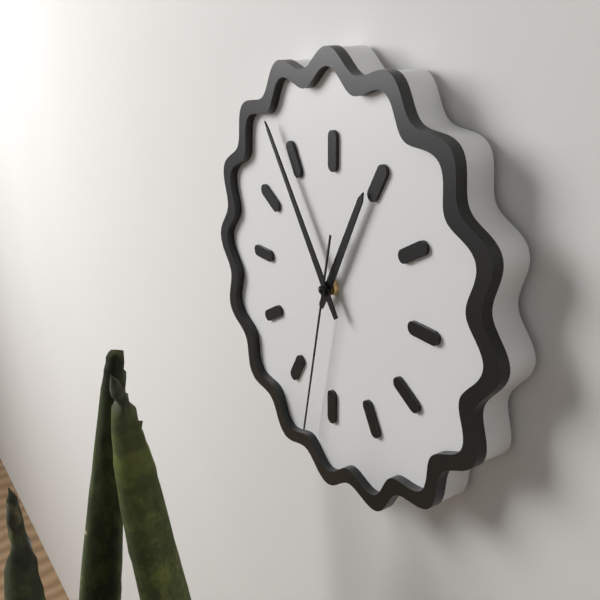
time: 12:54:32
